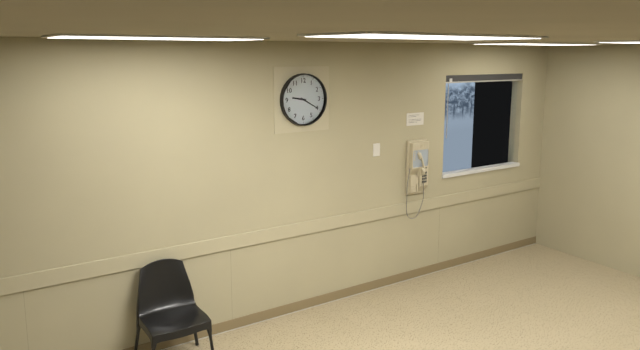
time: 9:20
